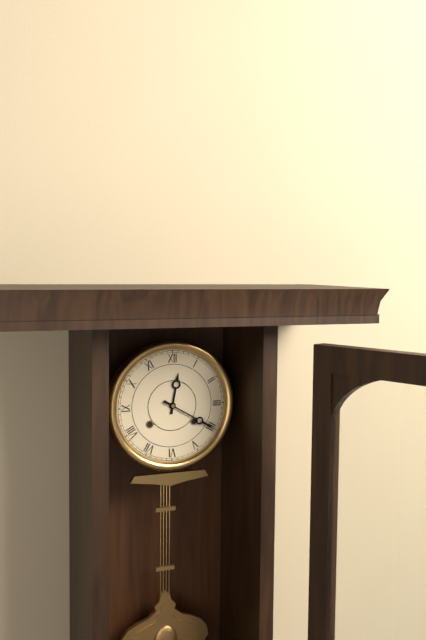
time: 12:20
